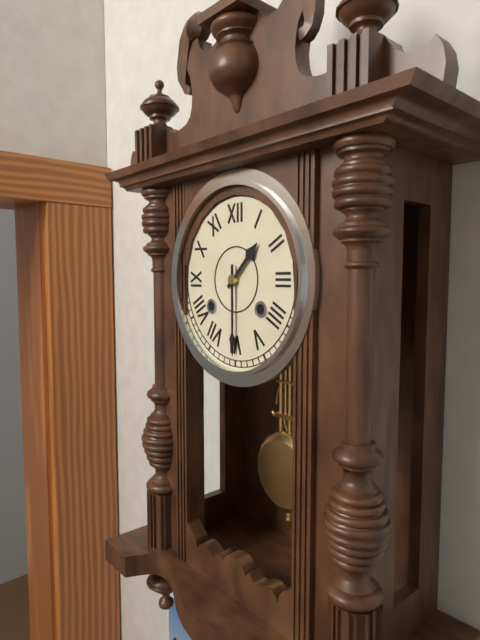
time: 1:30
